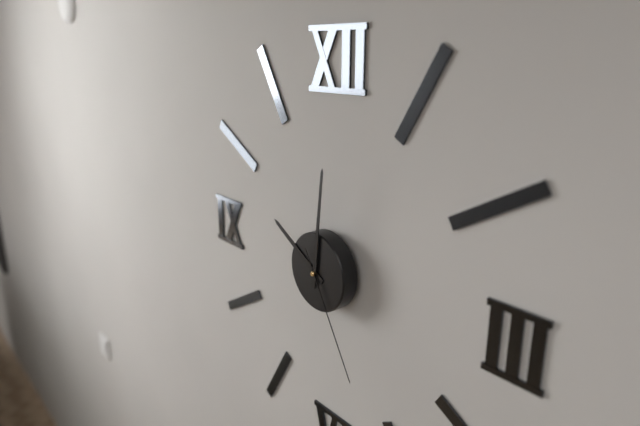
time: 10:01:25
